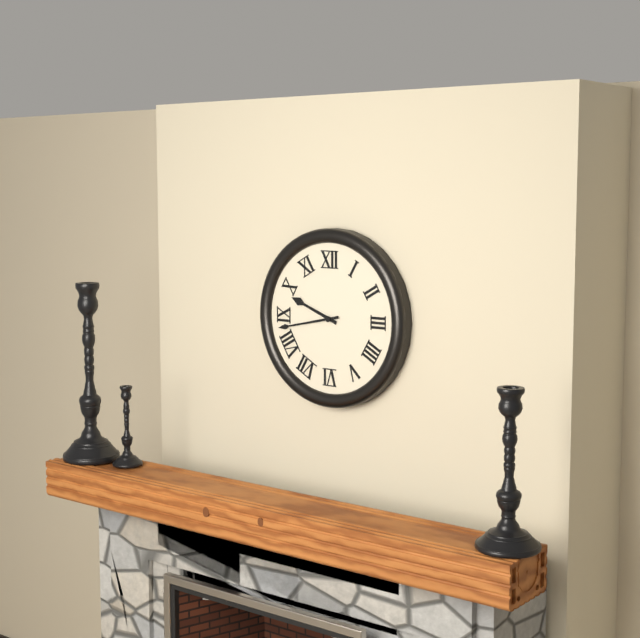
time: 9:43
